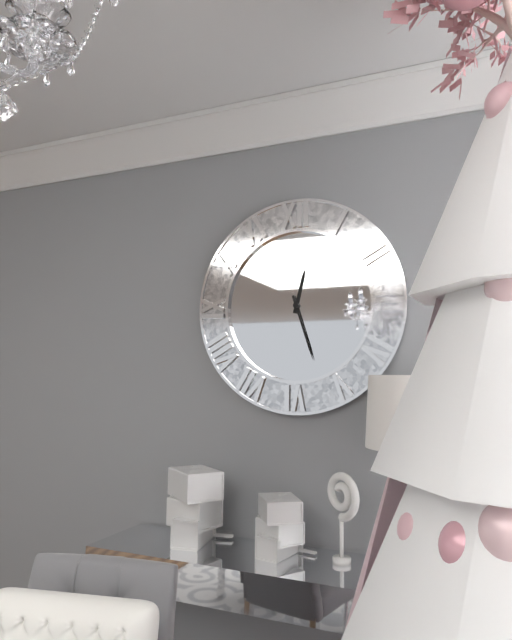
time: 12:27
